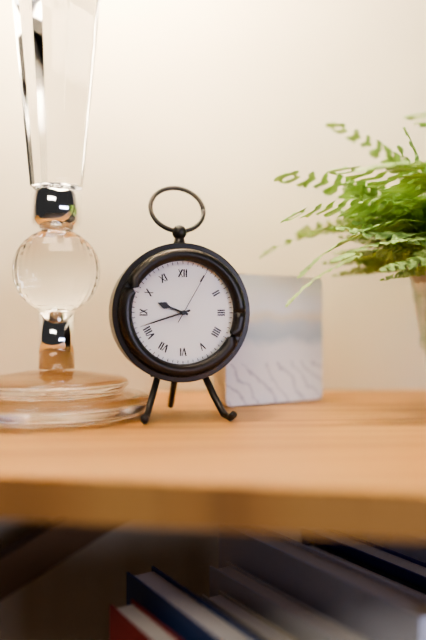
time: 9:42:05
